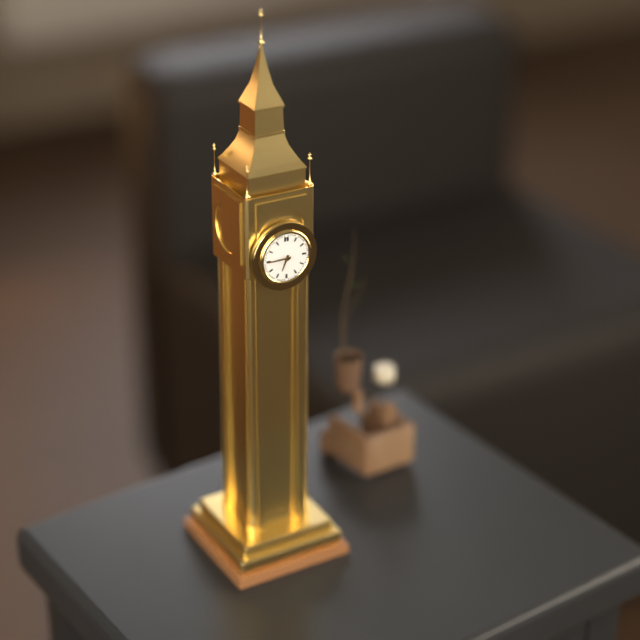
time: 6:45
